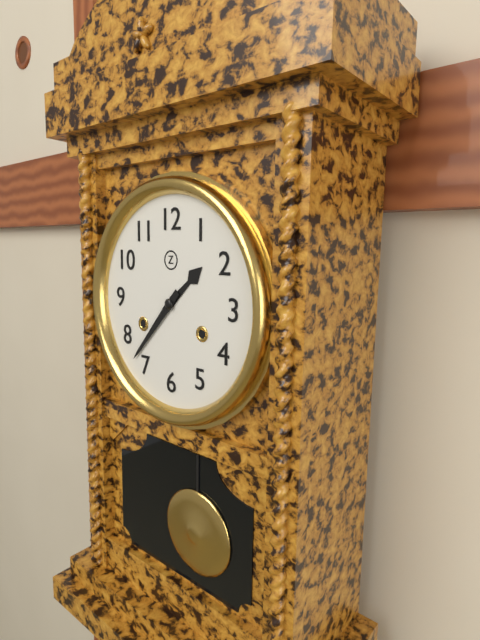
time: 1:37
